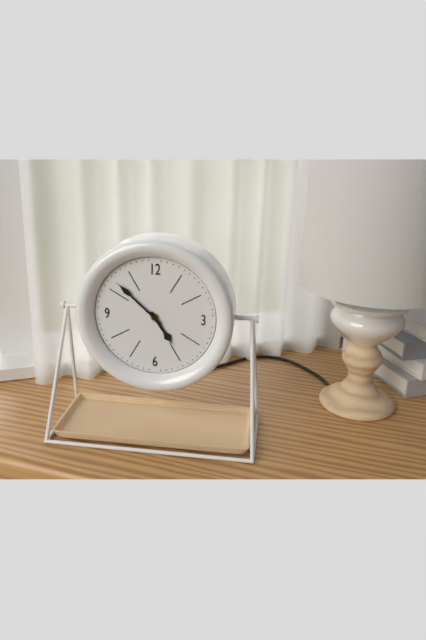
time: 4:52
